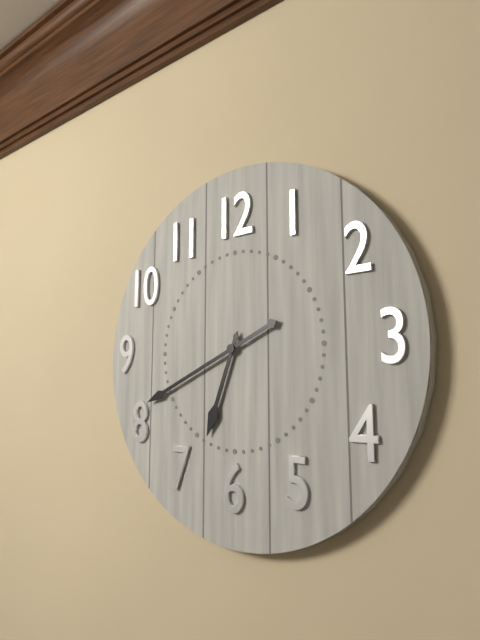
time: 6:41
